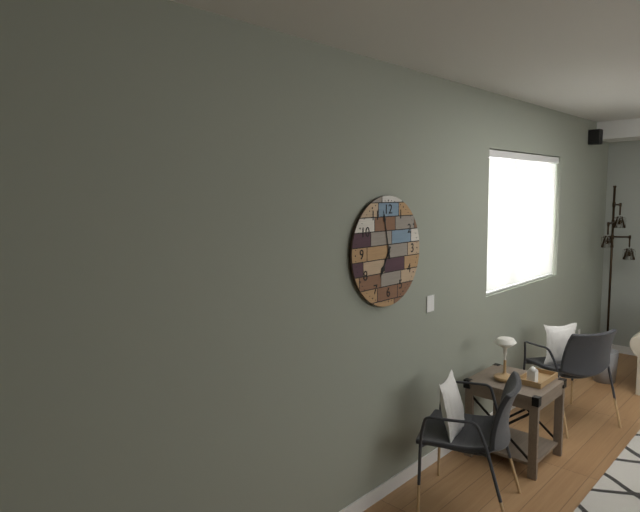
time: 6:58
